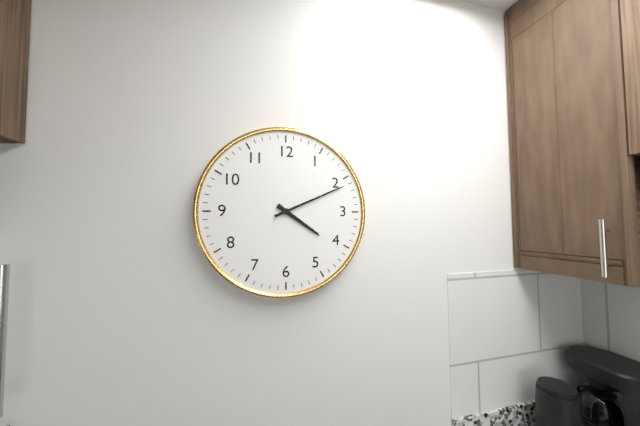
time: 4:11
